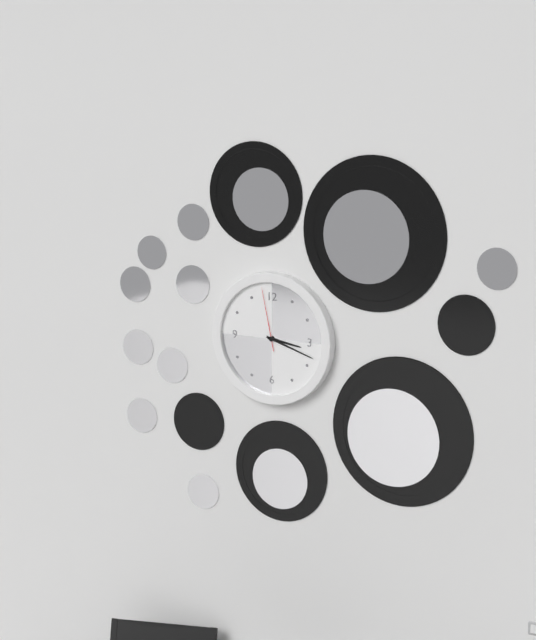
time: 3:18:58
